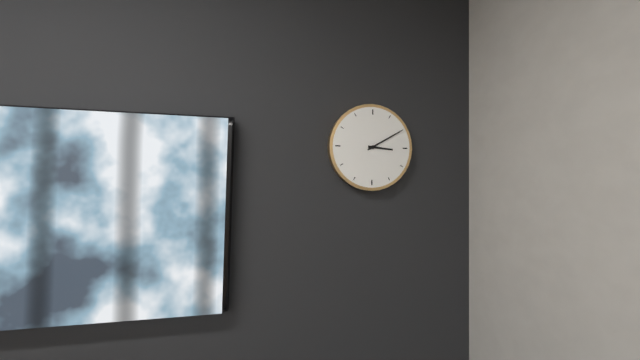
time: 3:10
